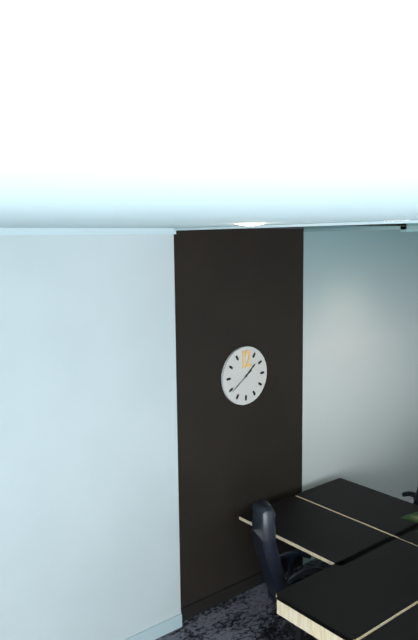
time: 1:39
